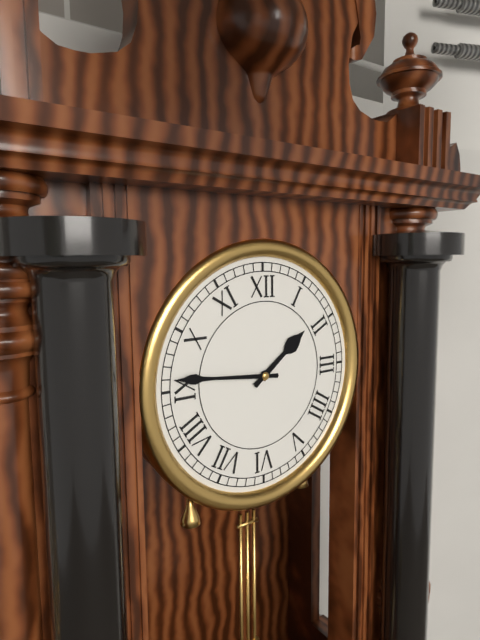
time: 1:46
